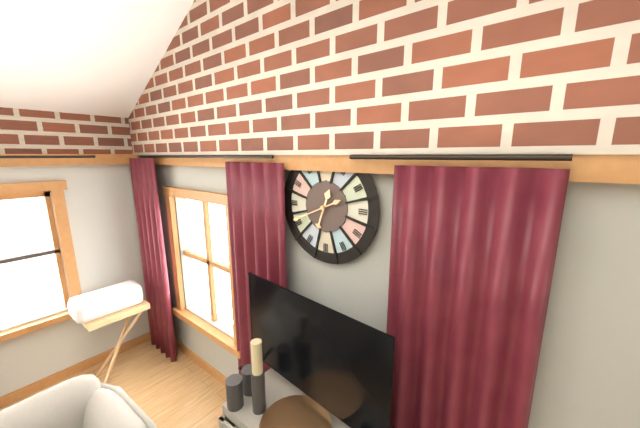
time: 6:41
